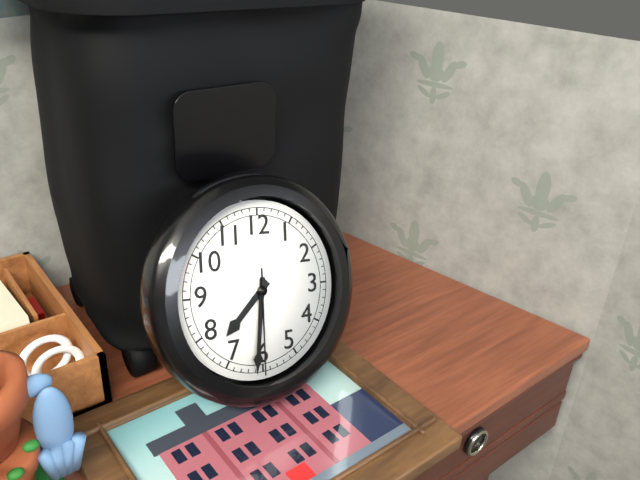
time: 7:31:30
